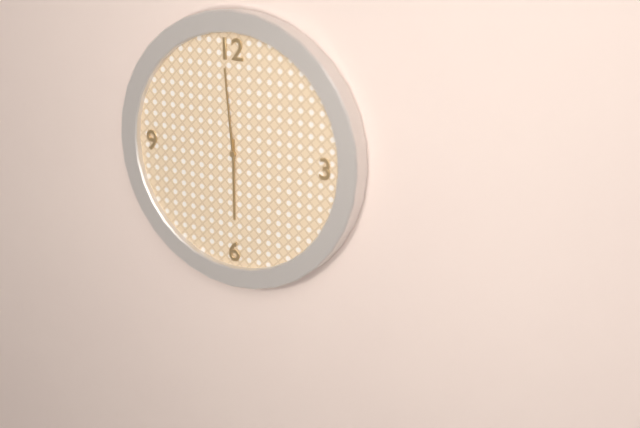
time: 5:59
